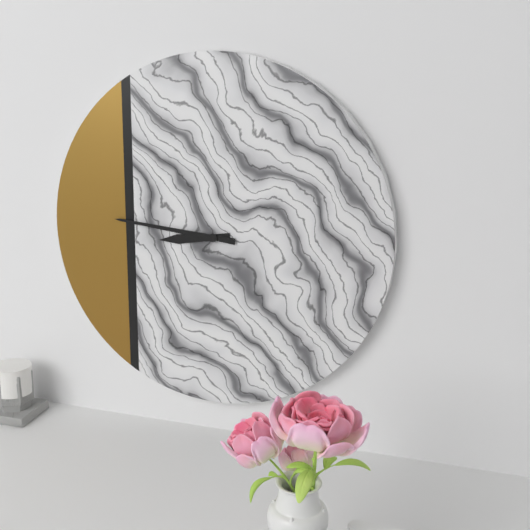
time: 8:46
